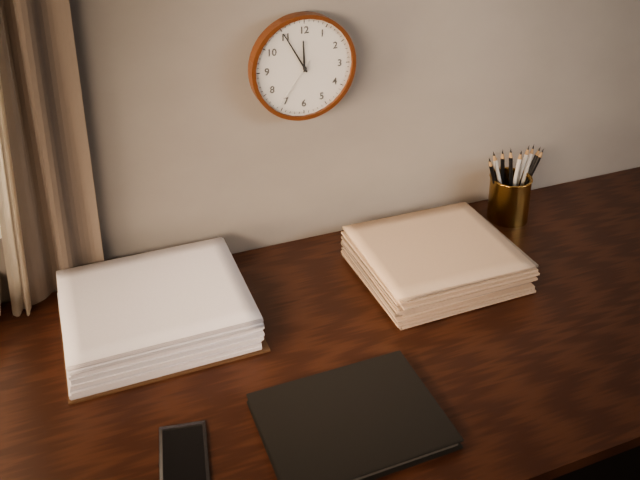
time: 11:55:36
